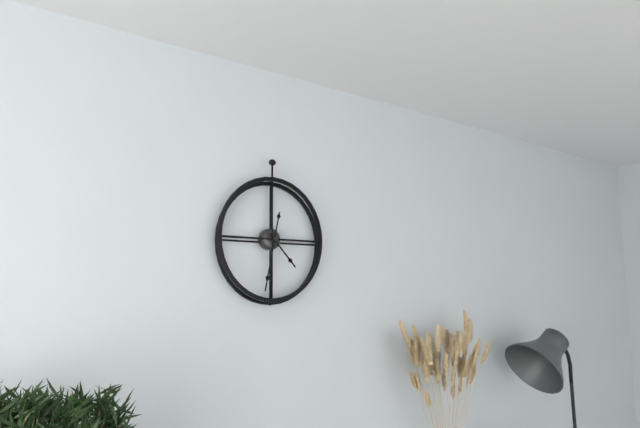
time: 4:32
